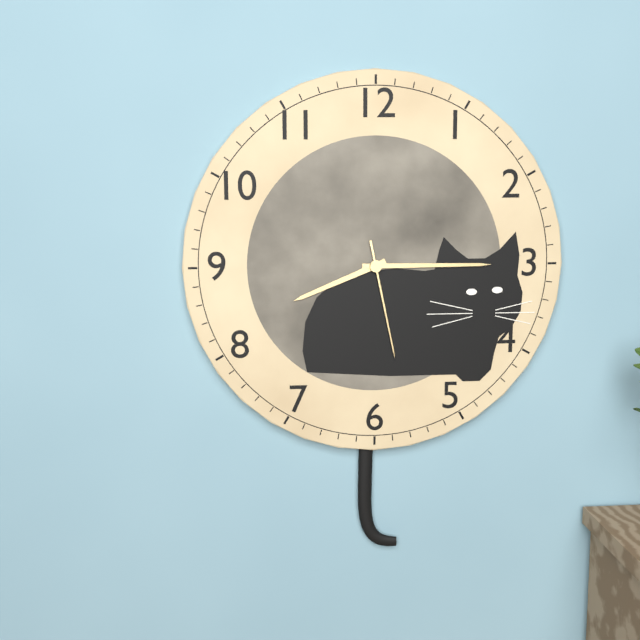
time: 8:15:28
